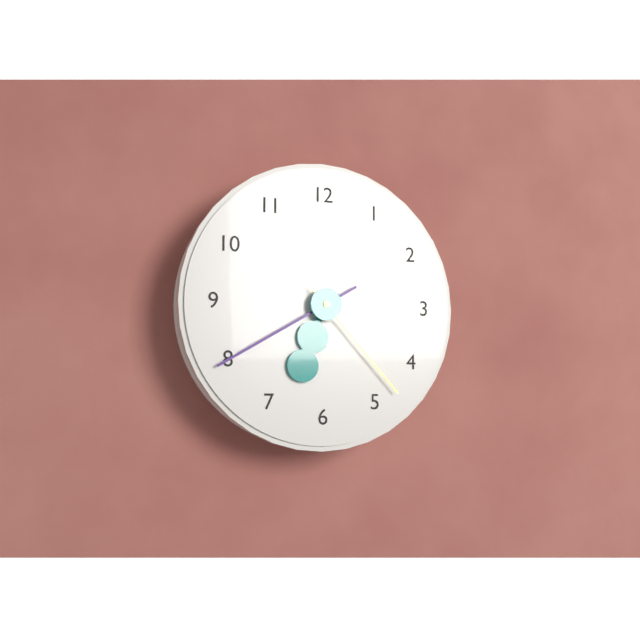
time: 6:40:23
